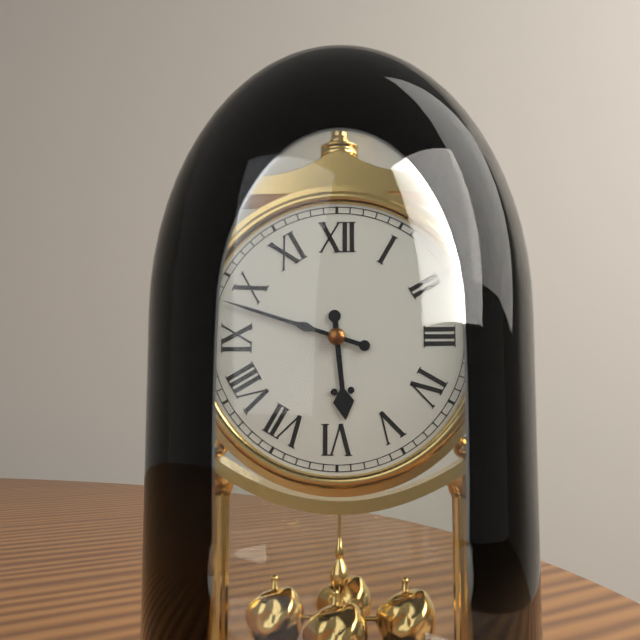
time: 5:48
